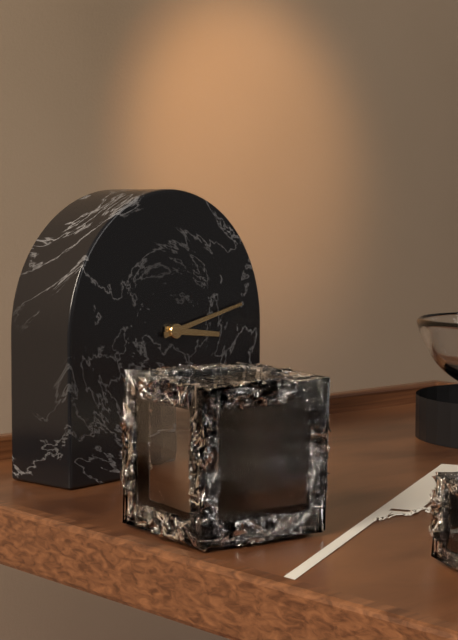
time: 3:13
